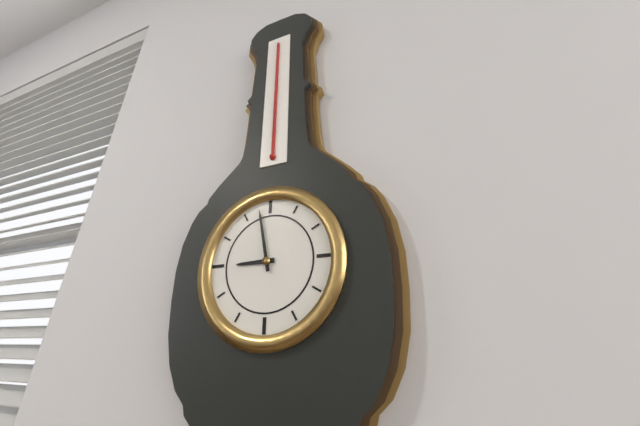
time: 8:58
